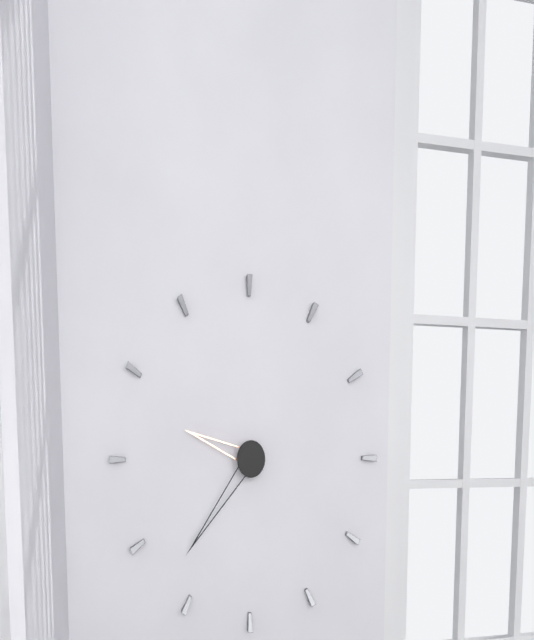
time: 9:37
